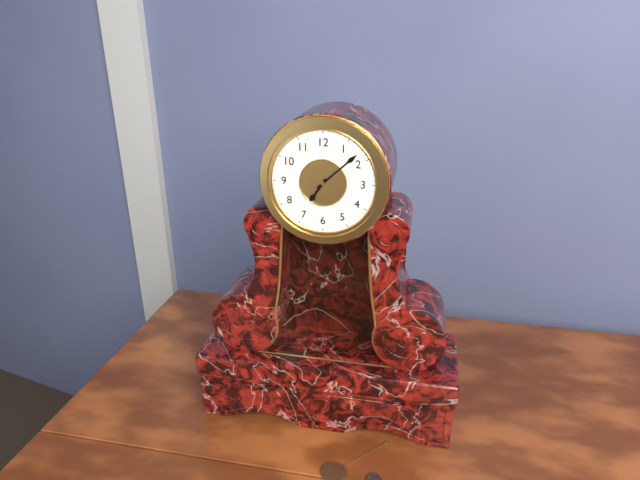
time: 7:08
